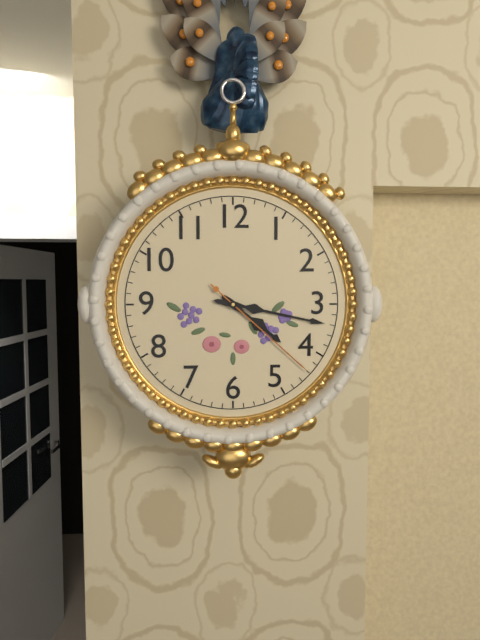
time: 4:17:22
